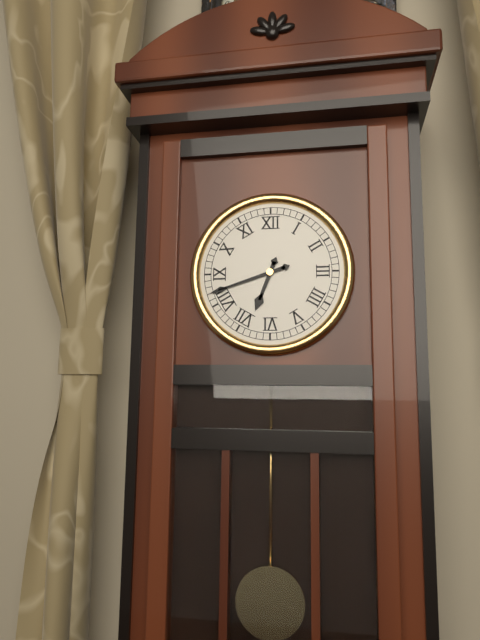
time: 6:42
